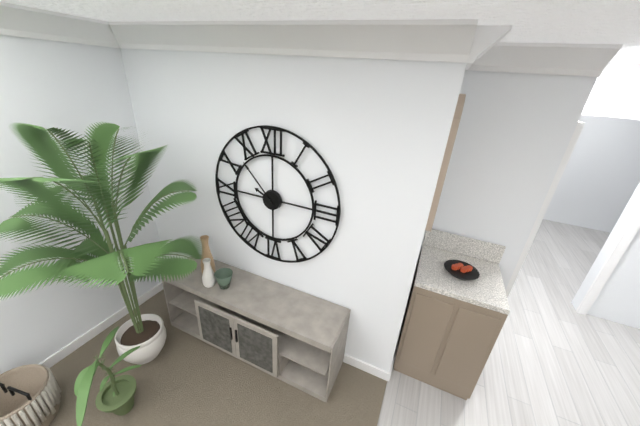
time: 9:53
